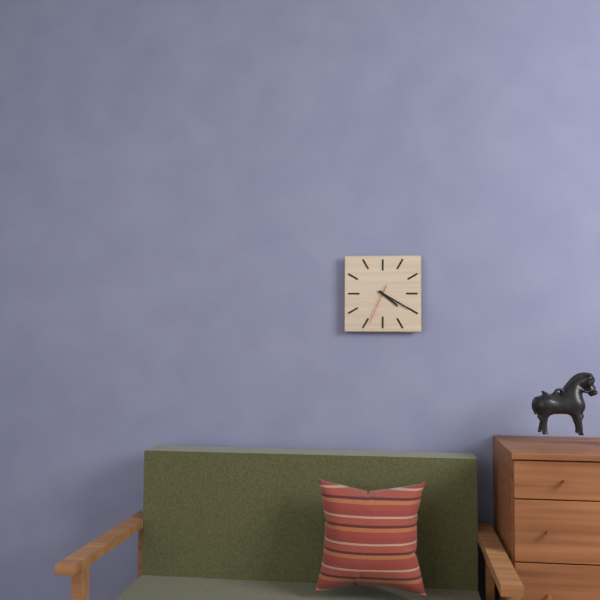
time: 4:20
